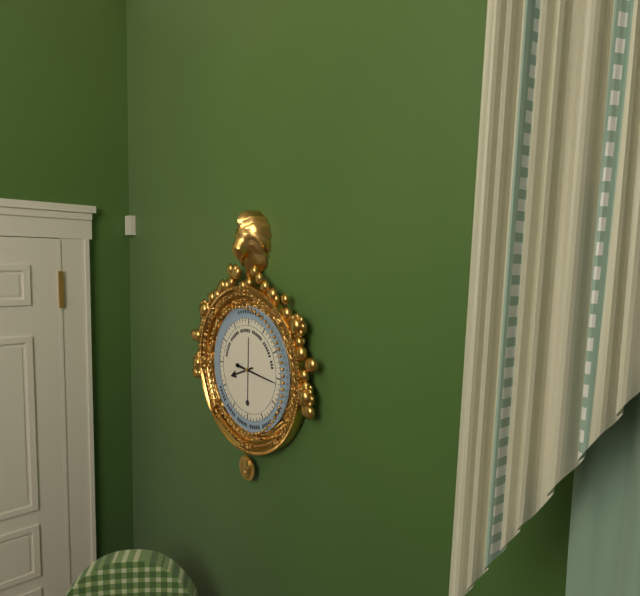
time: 8:16
